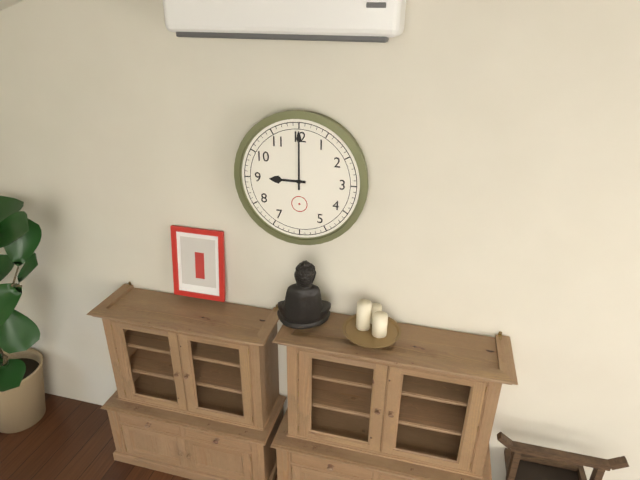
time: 9:00
